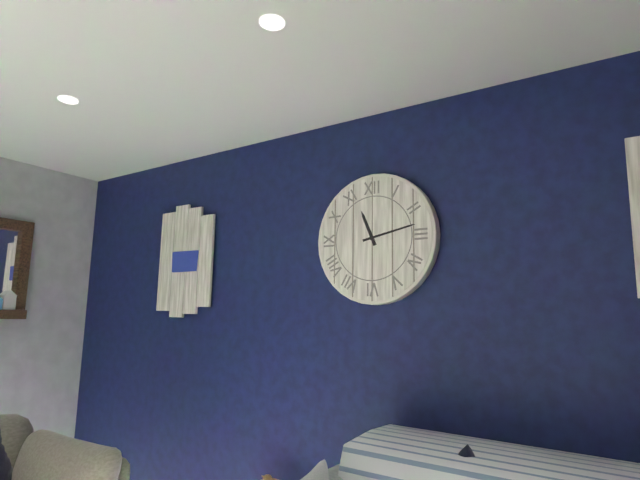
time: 11:13
